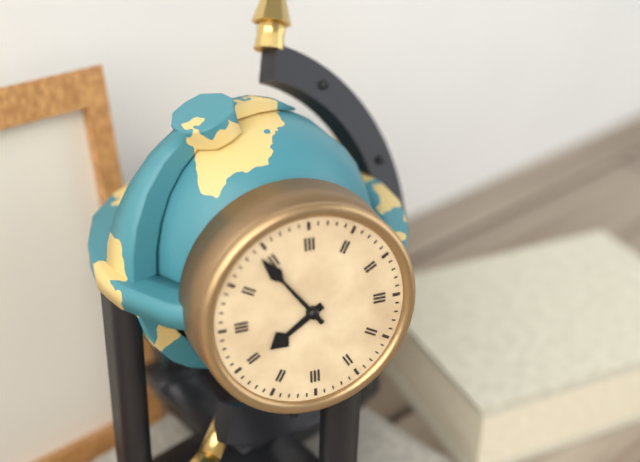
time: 7:54
